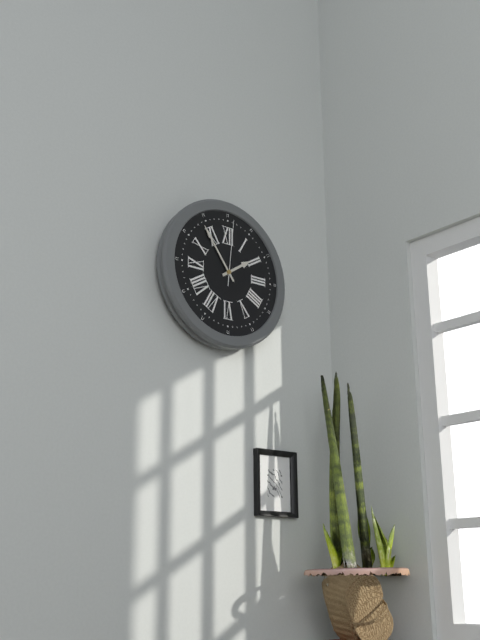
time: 1:54:01
